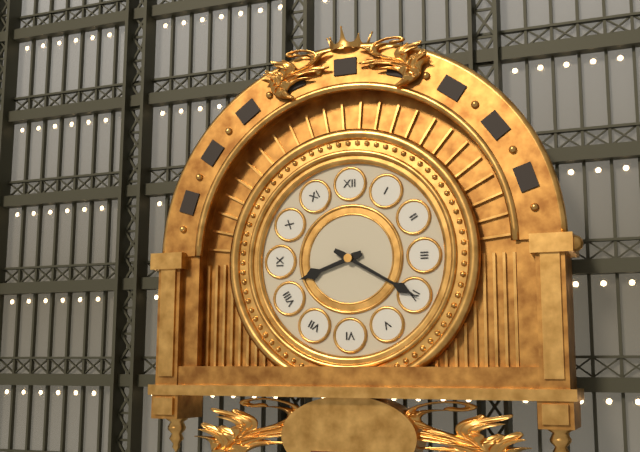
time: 8:20
